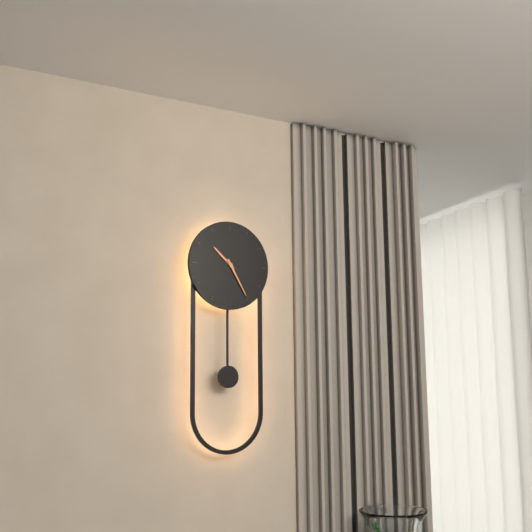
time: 10:25
